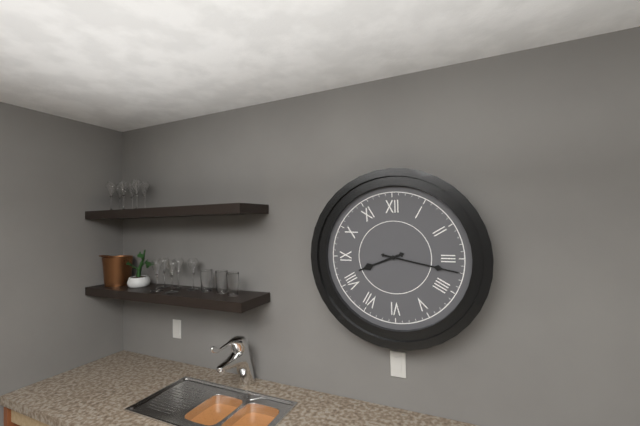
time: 8:17
